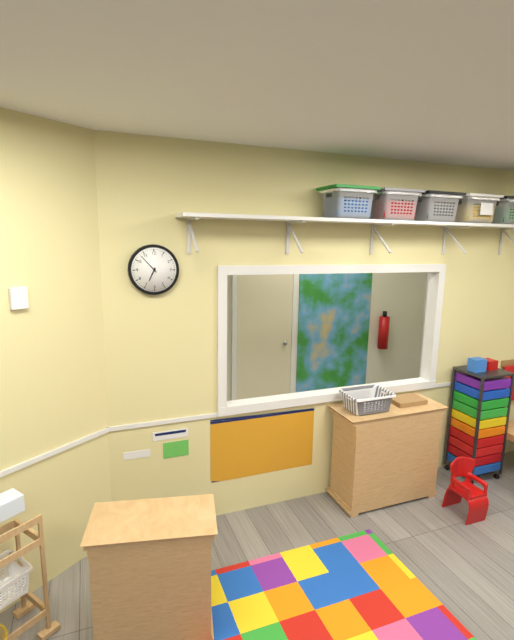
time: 6:53
